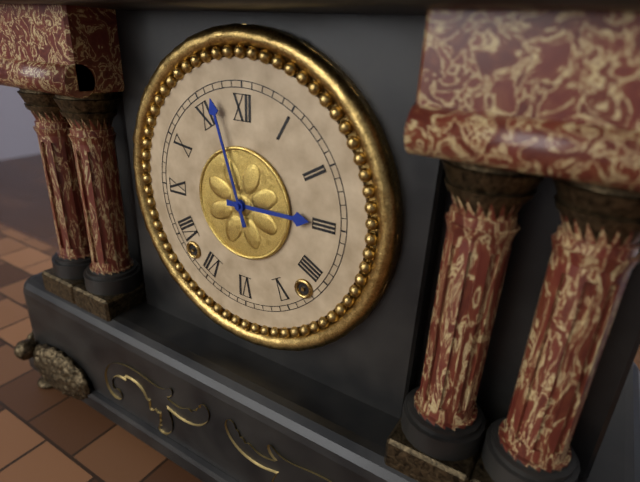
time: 2:57
